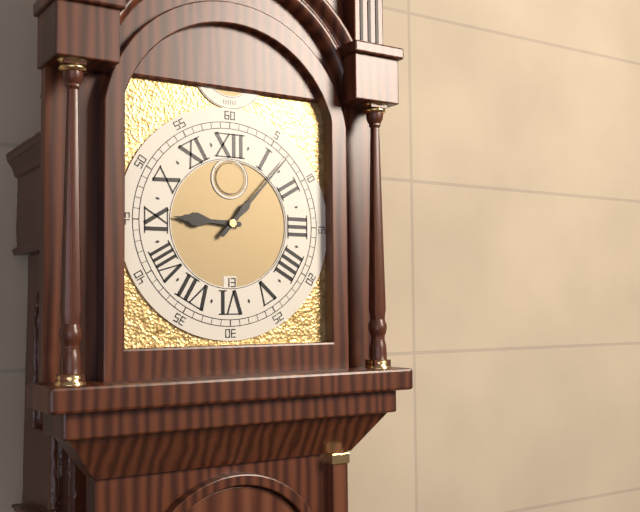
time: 9:07
